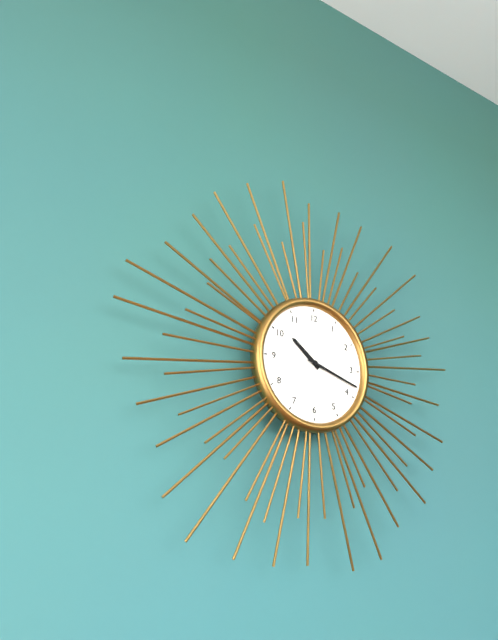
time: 10:18
